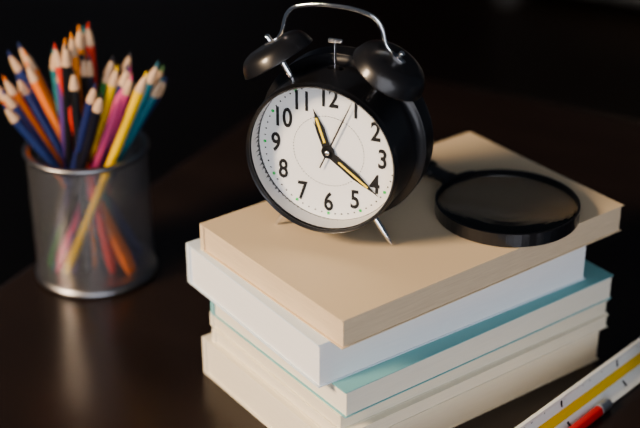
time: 11:21:04
